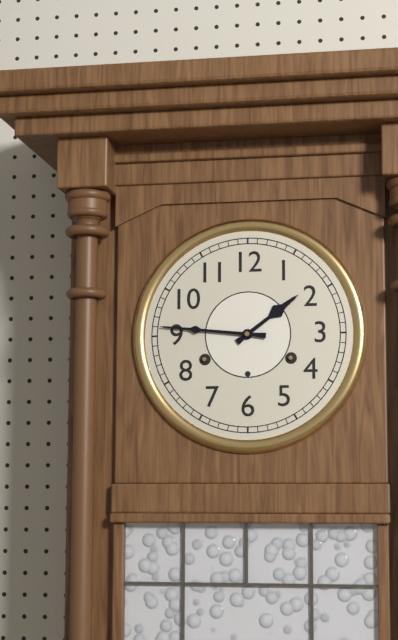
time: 1:46
